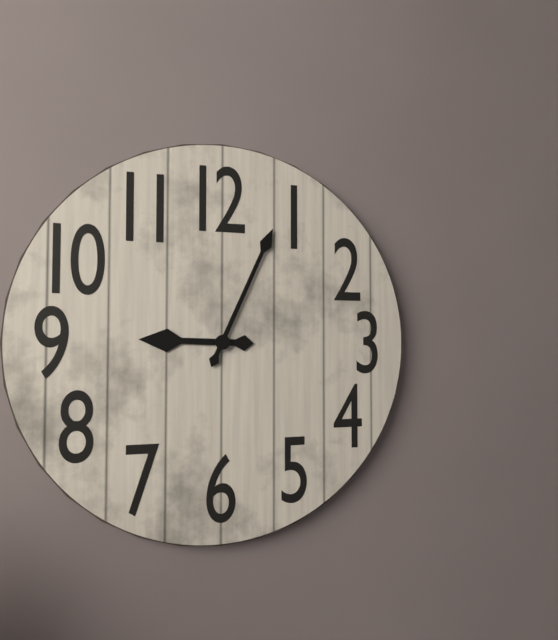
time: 9:04
